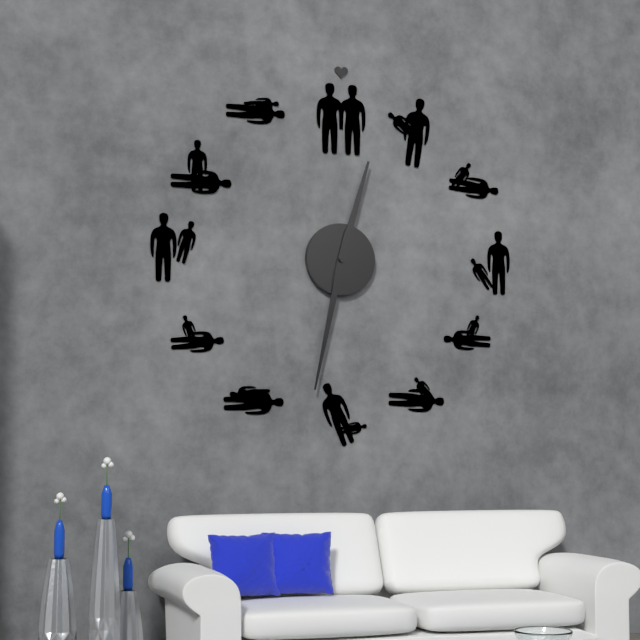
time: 12:32
